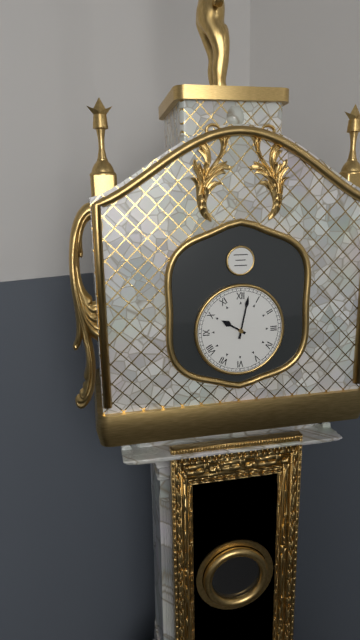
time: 10:02
